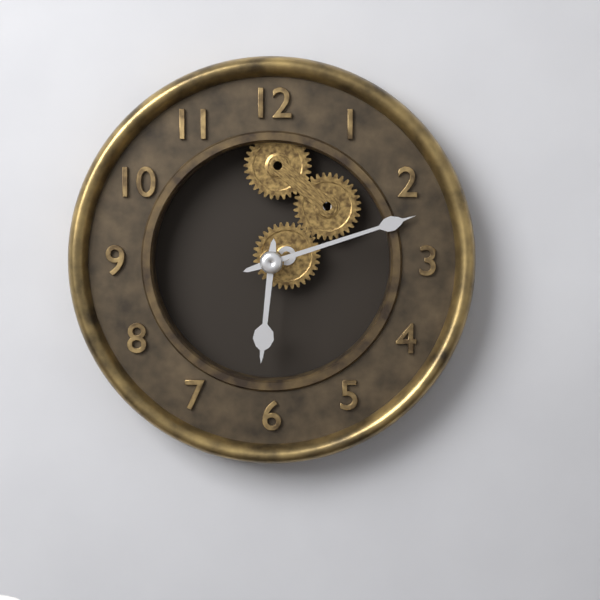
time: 6:12
